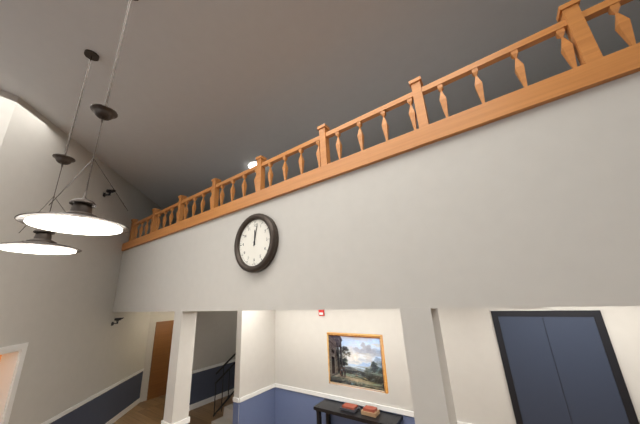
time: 12:02
